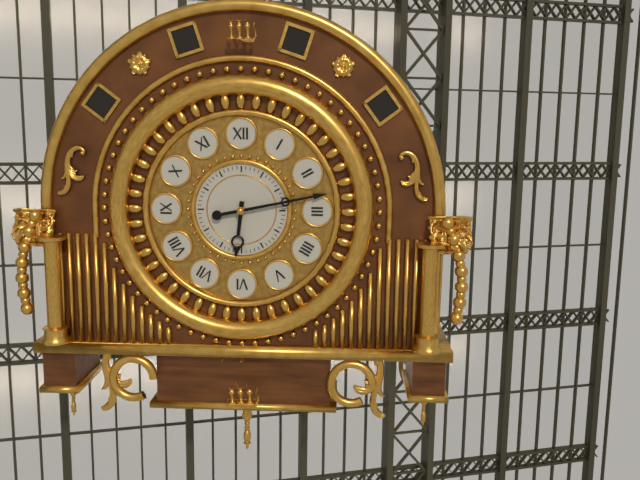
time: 6:13
